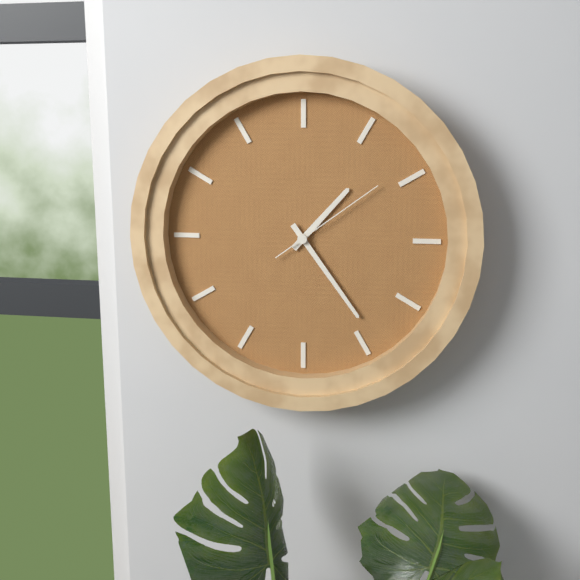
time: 1:24:09
